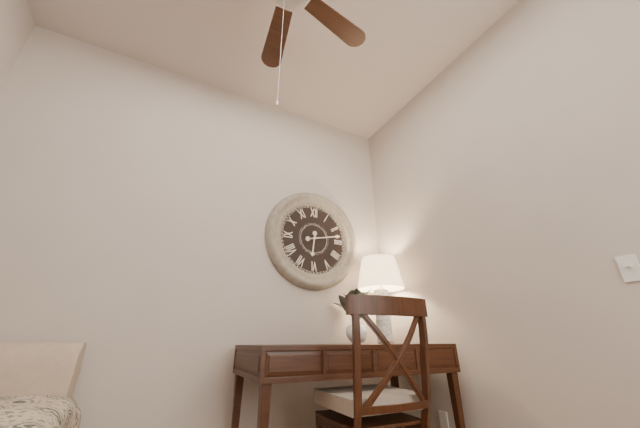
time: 6:13
